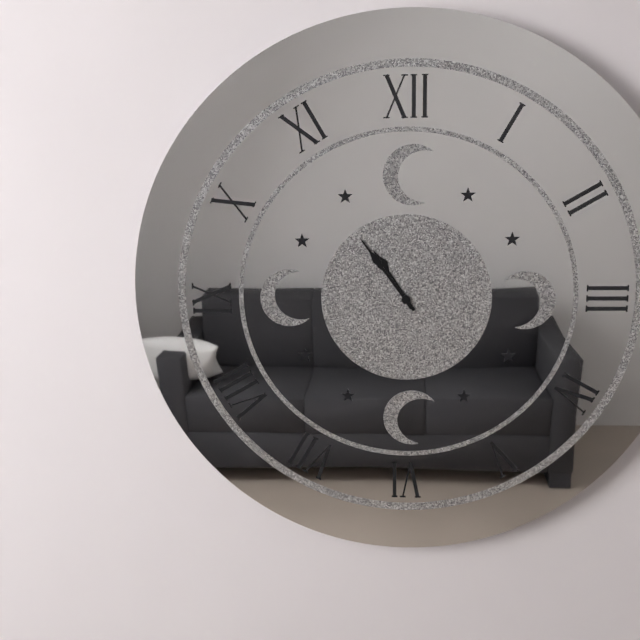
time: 10:54
